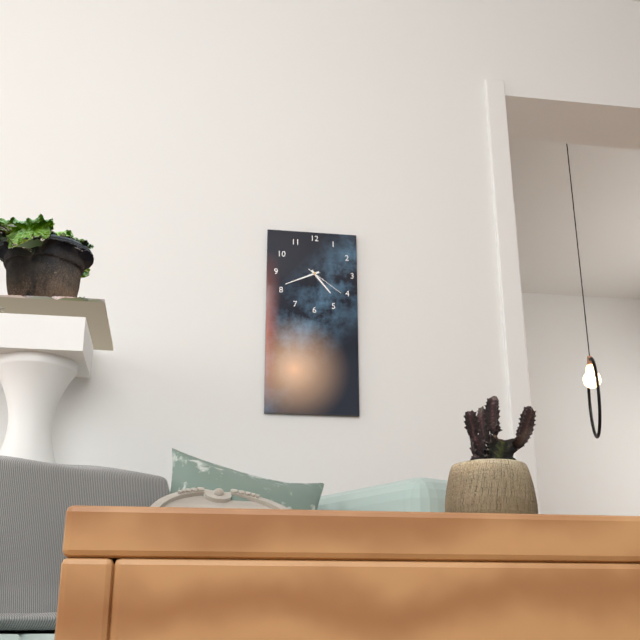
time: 4:41
